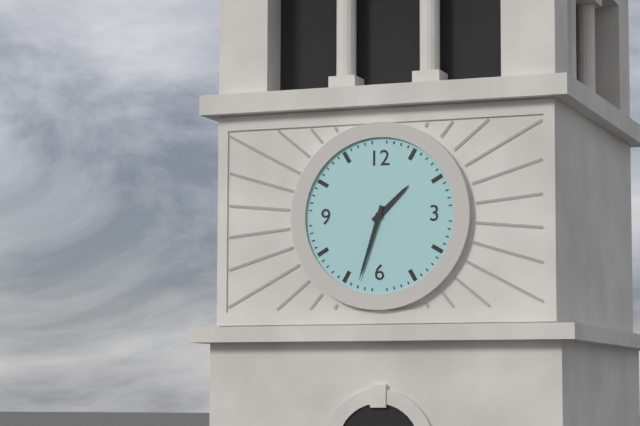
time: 1:33
